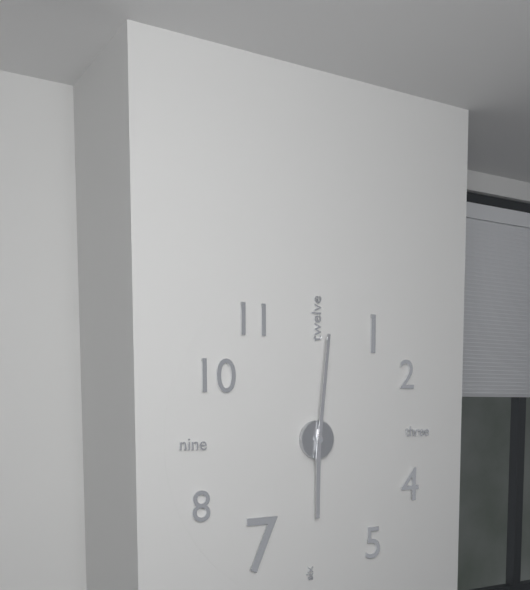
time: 6:01
